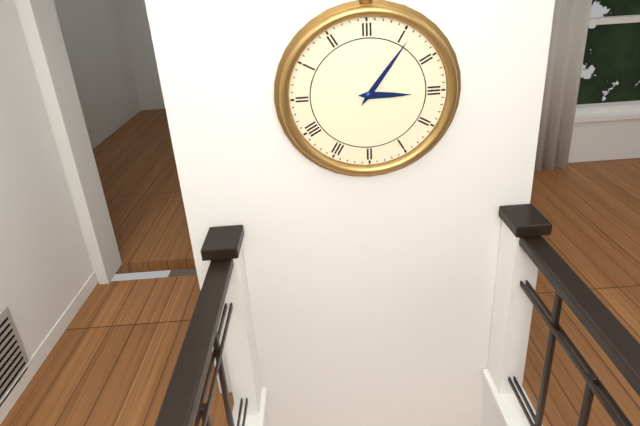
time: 3:06
